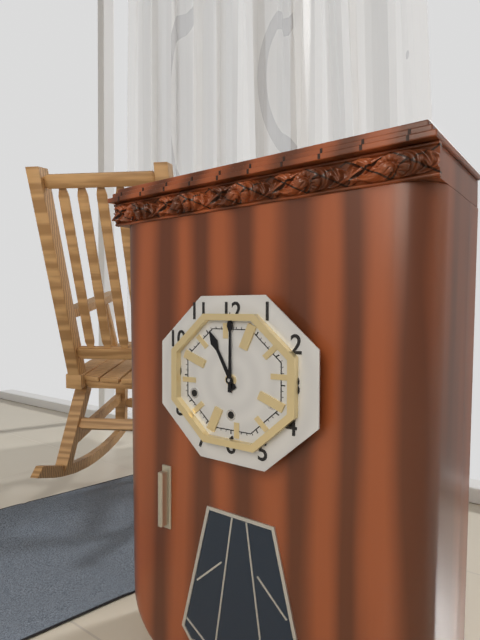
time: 11:00
